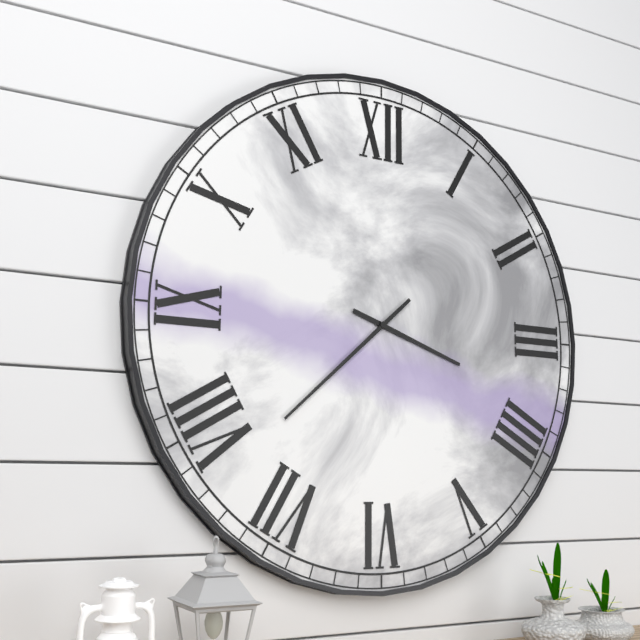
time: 3:38
